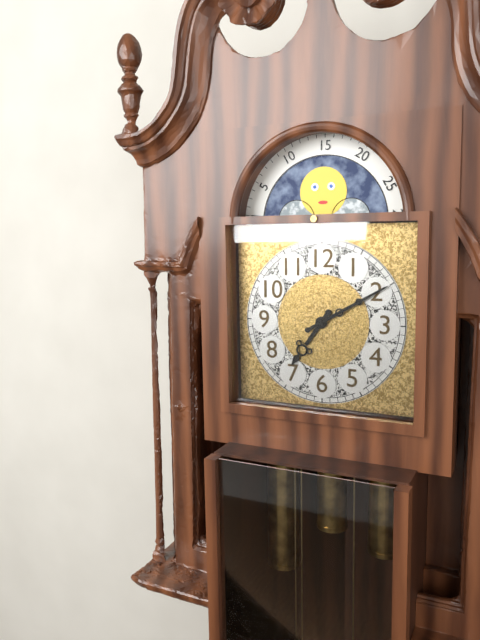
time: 7:10
